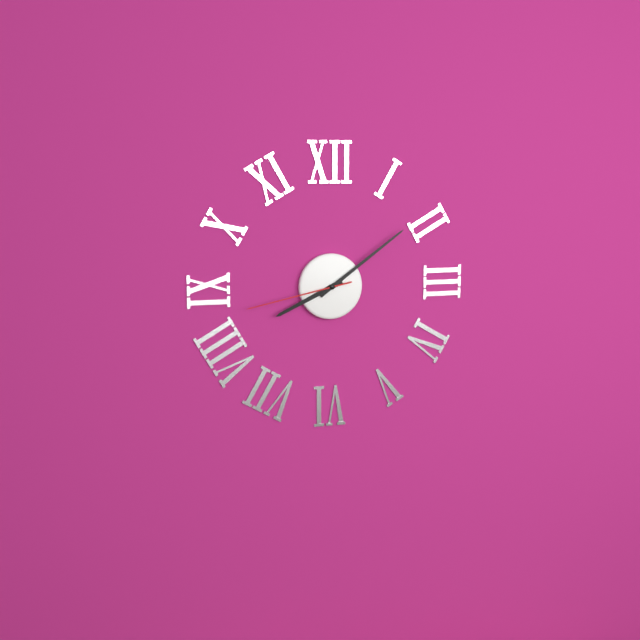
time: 8:09:43
